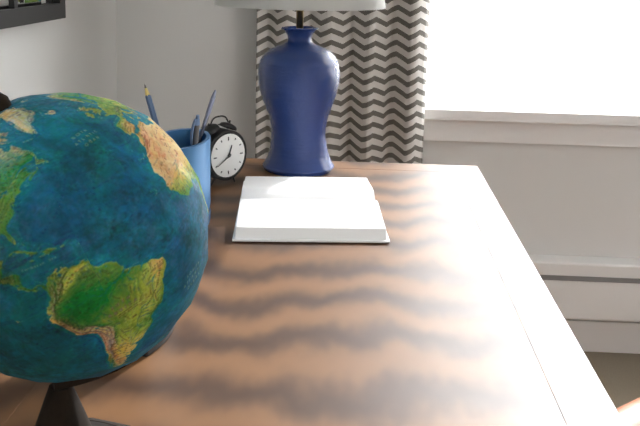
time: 12:40
